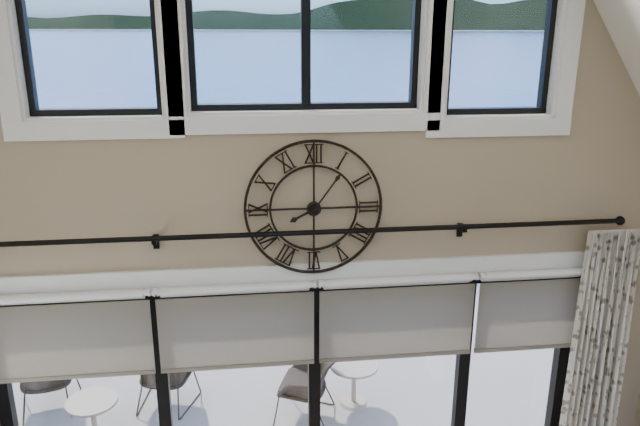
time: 8:06
